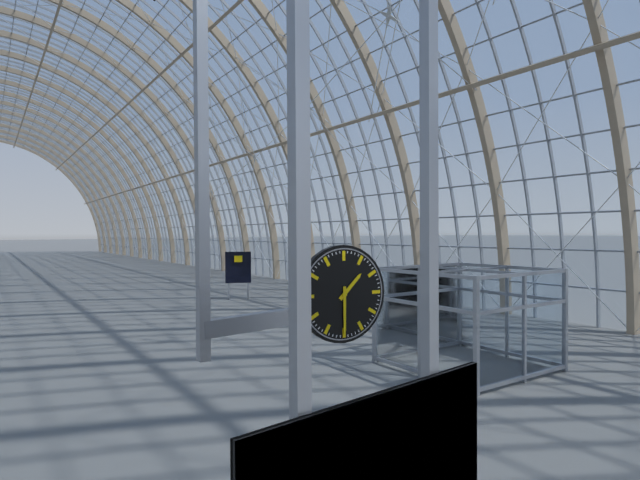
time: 1:30
